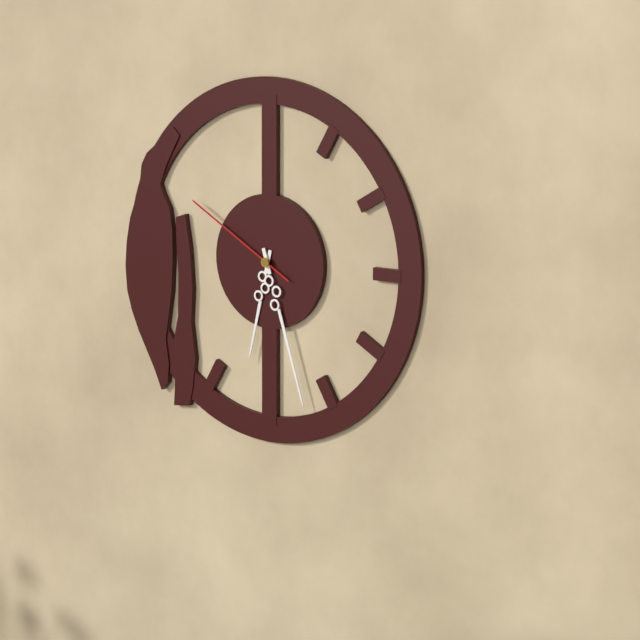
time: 6:27:50
